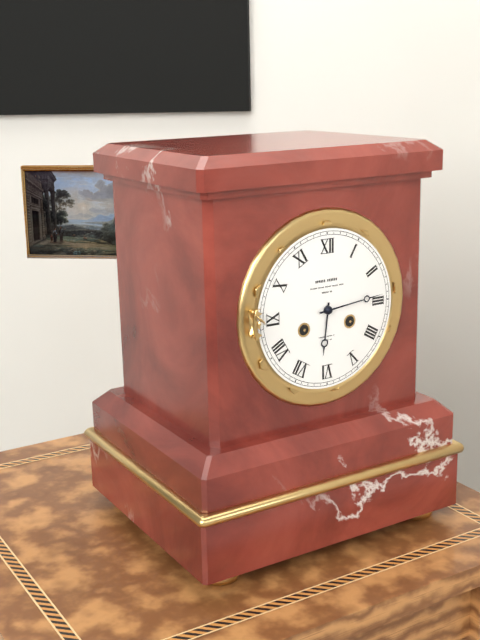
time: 6:14
